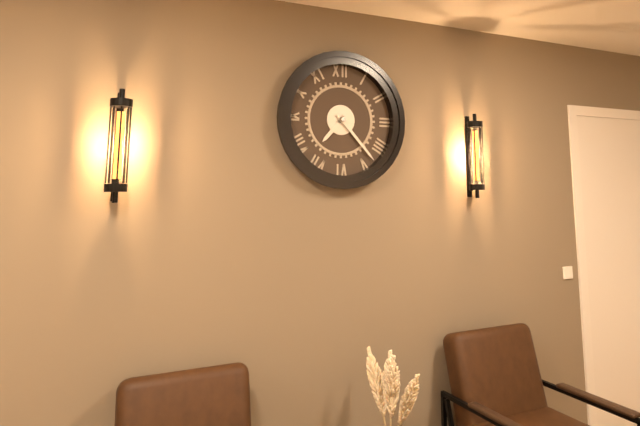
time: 7:23
